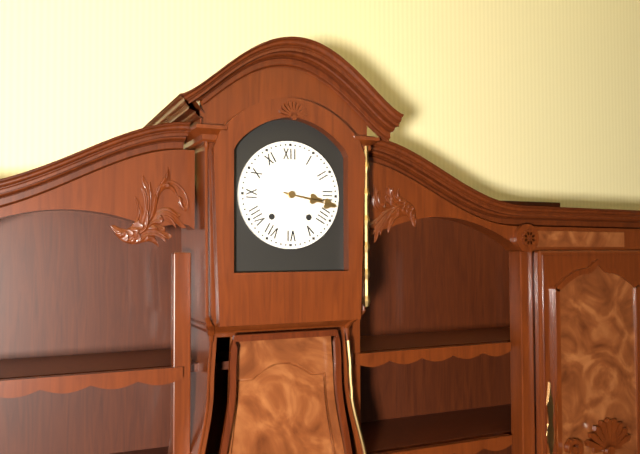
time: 3:17
